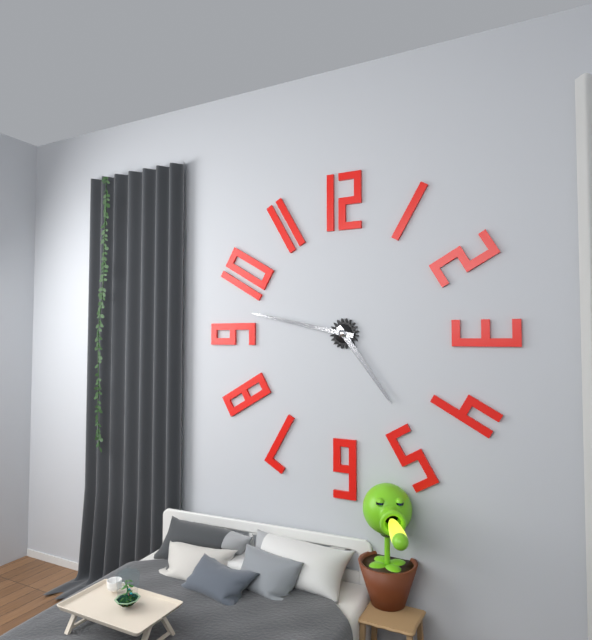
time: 4:47
